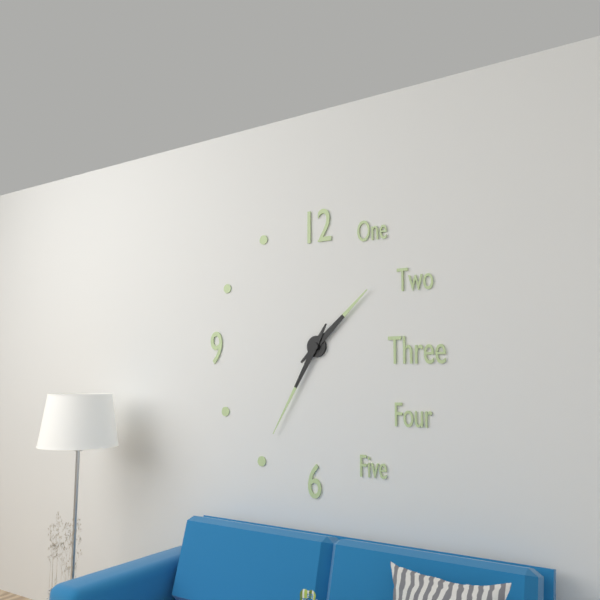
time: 1:35
